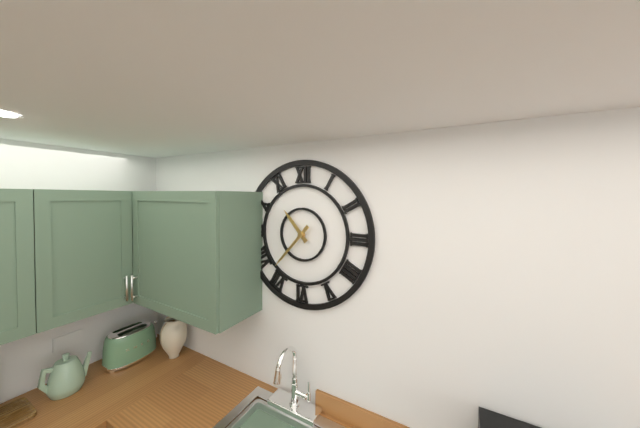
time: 10:37
